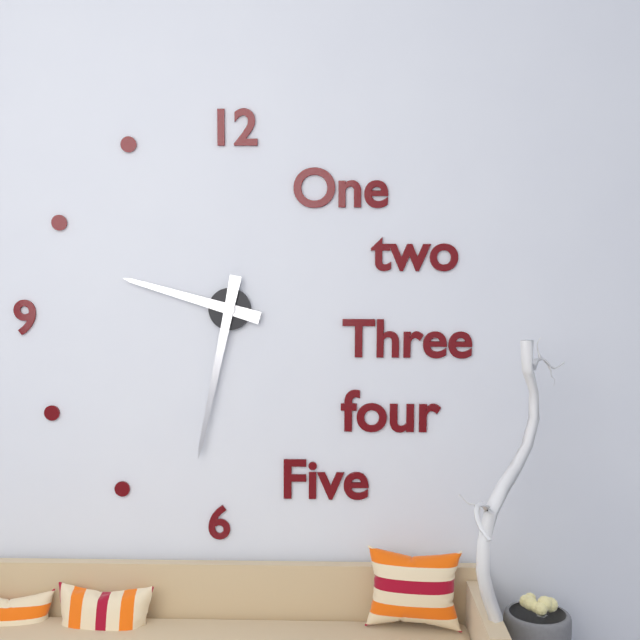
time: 9:32
